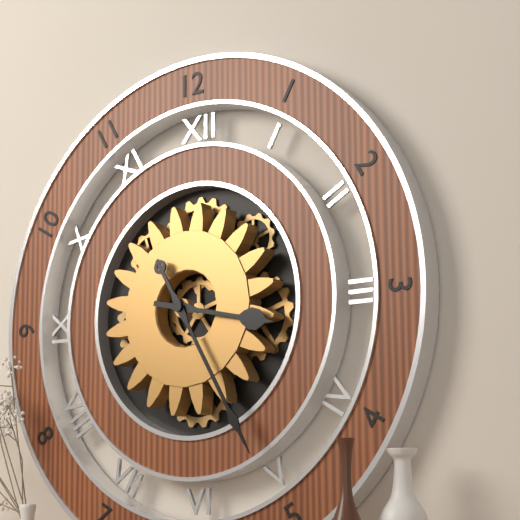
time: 3:25
